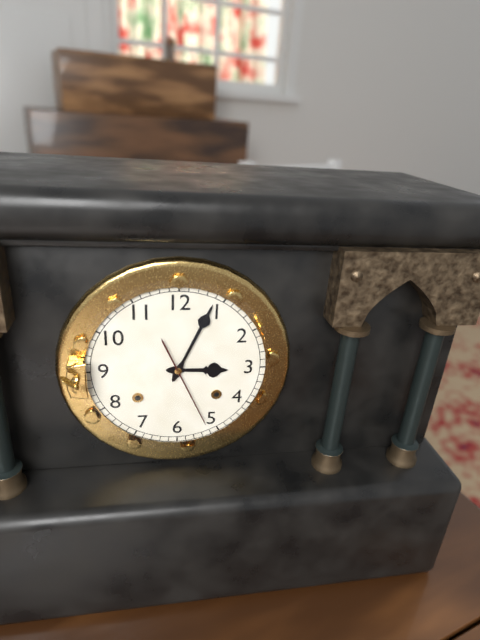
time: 3:04:26
